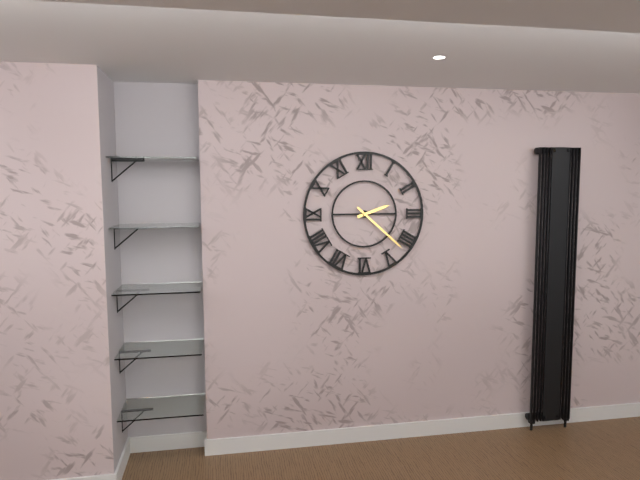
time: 2:22
